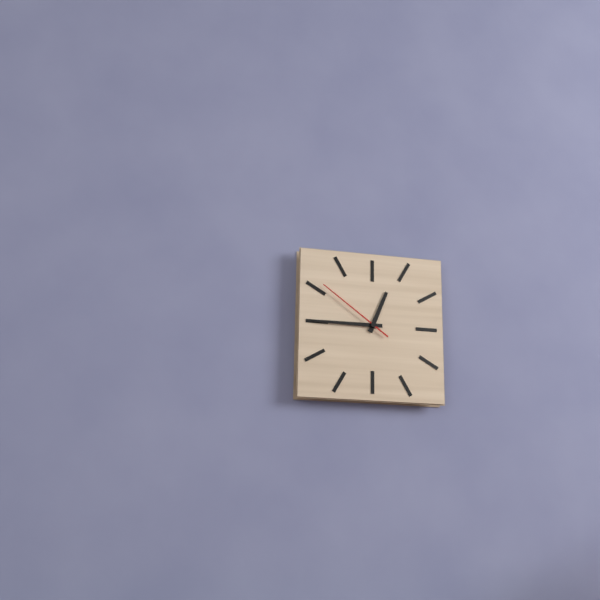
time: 12:45:51
